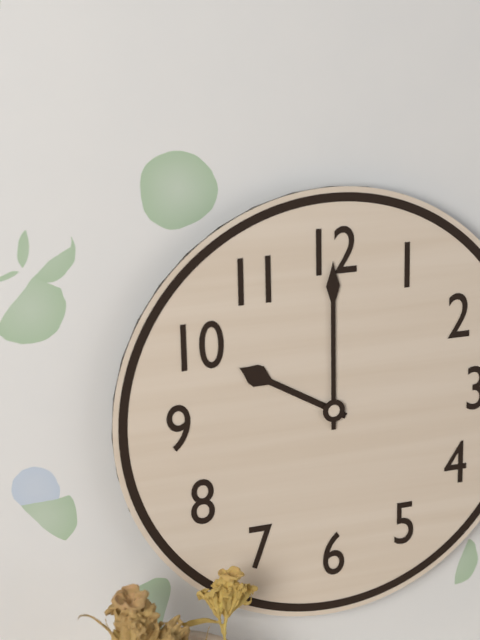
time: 10:00
